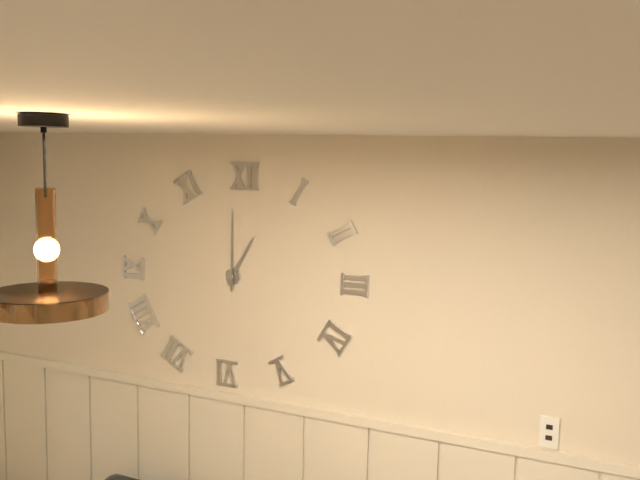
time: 1:00
